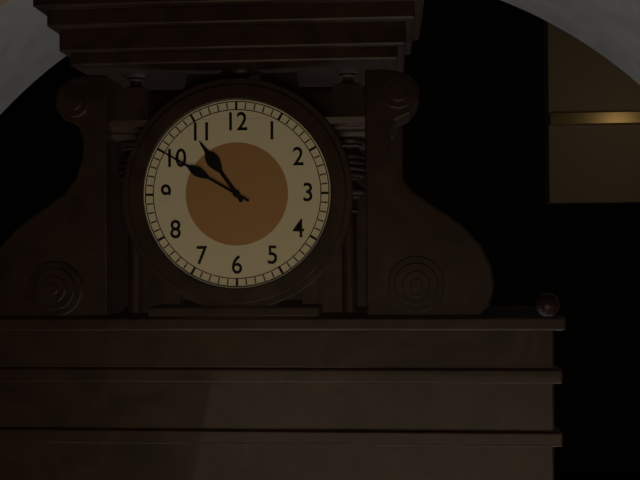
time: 10:50
